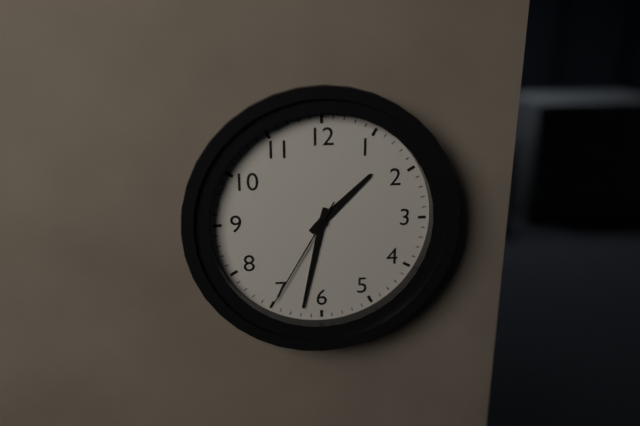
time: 1:32:35
